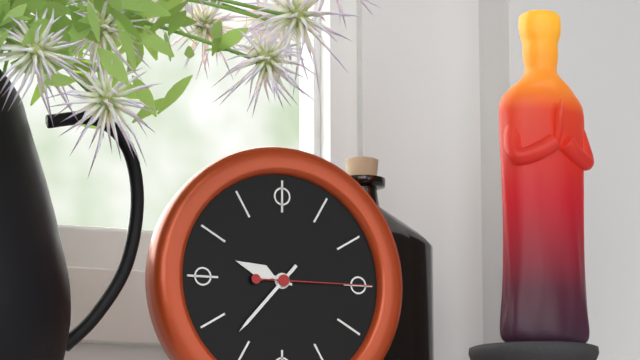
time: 9:37:15
